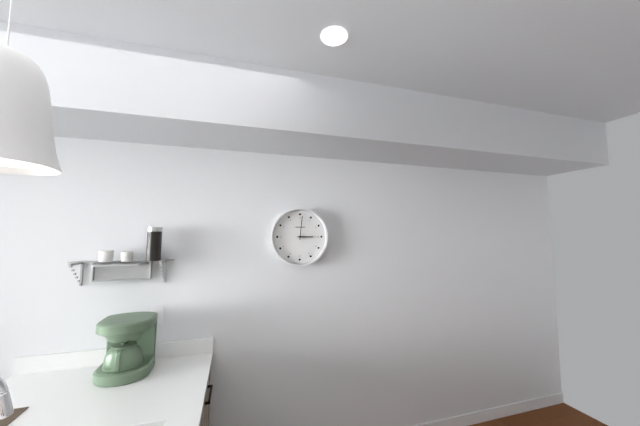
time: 3:01
